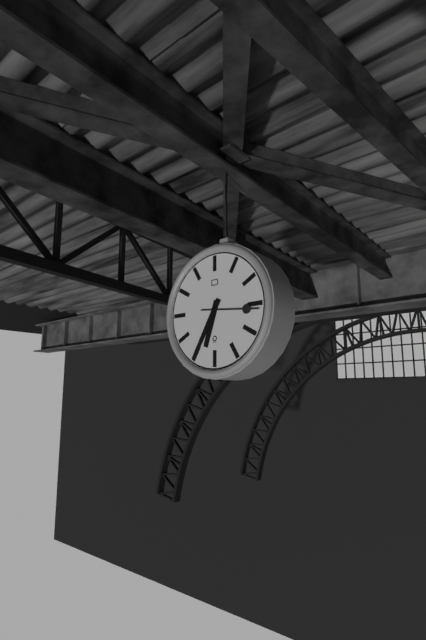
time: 6:35:16
